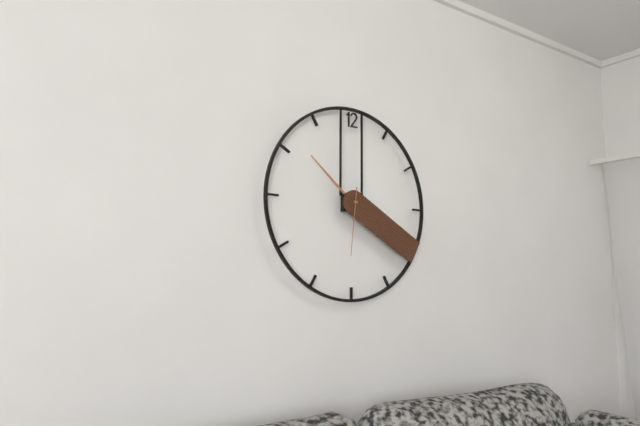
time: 10:20:31
